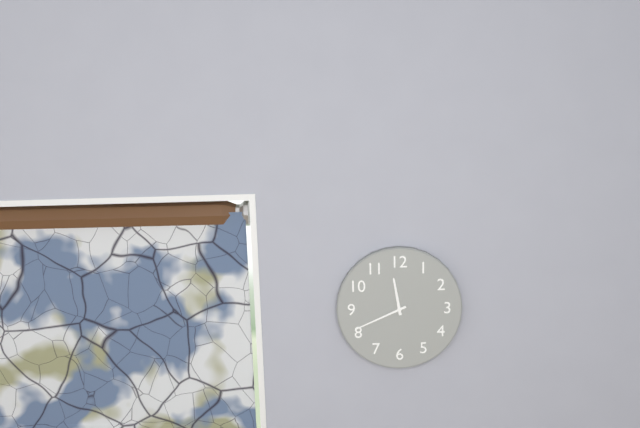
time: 11:41
